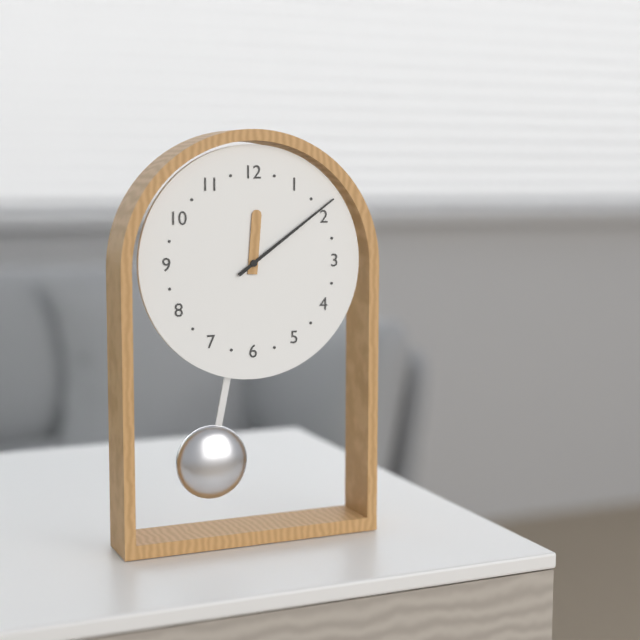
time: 12:09
